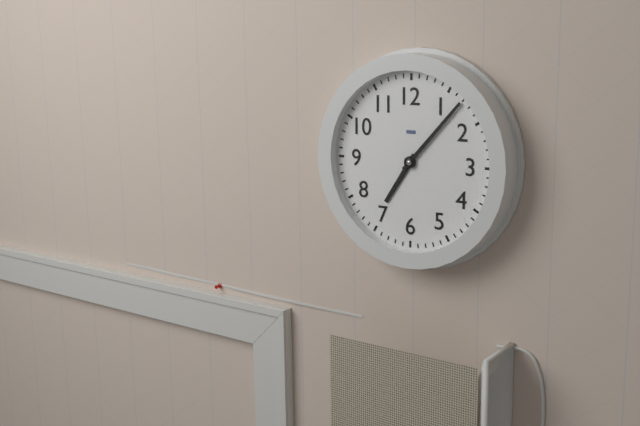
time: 7:07
